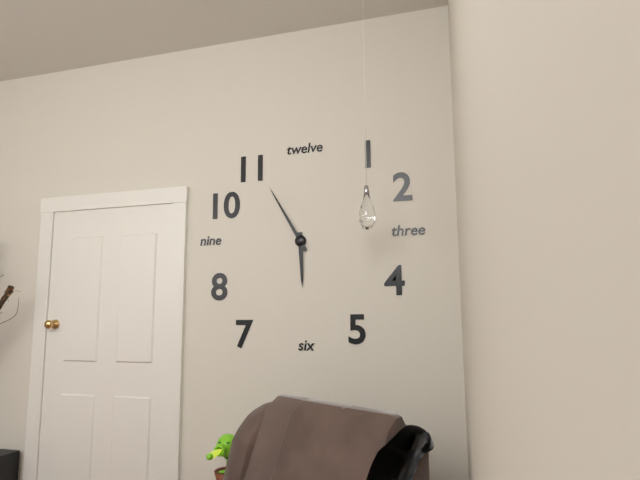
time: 5:55
